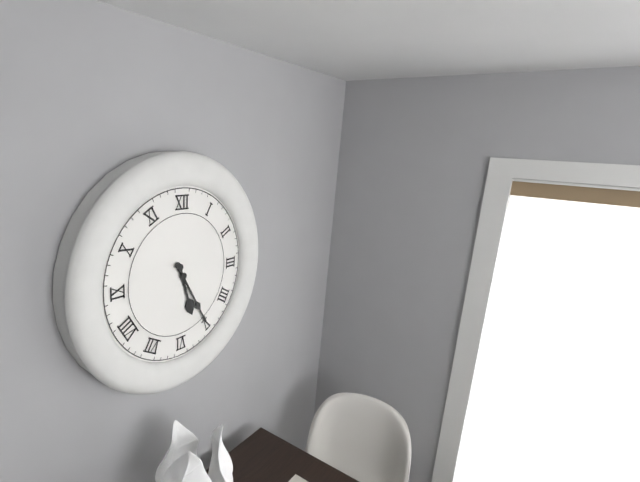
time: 5:25
